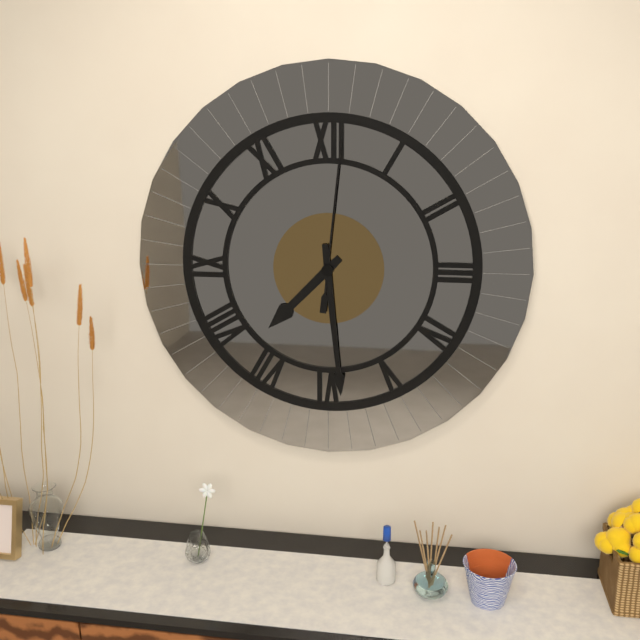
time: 7:29:01
